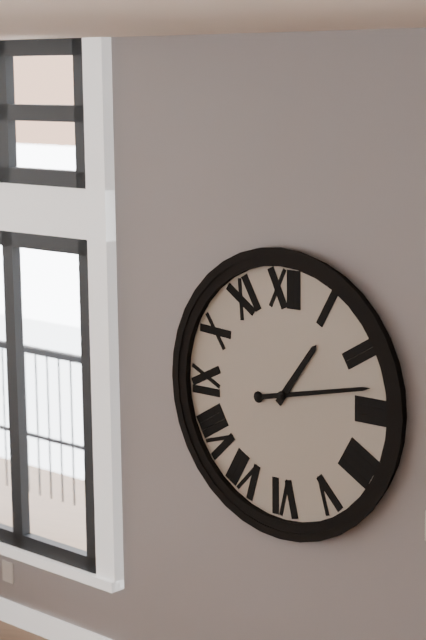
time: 1:13
